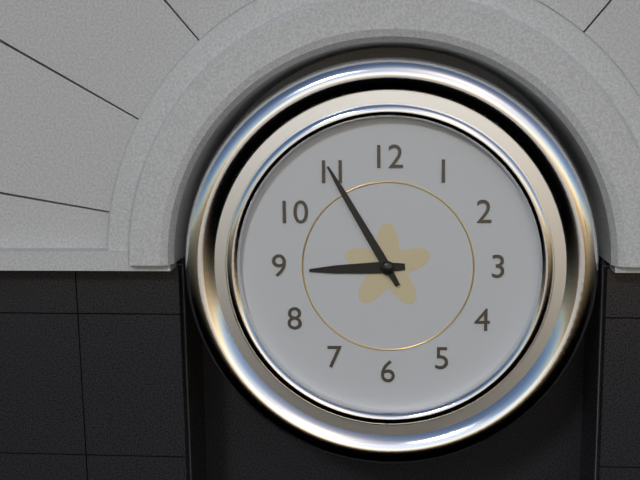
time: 8:55
